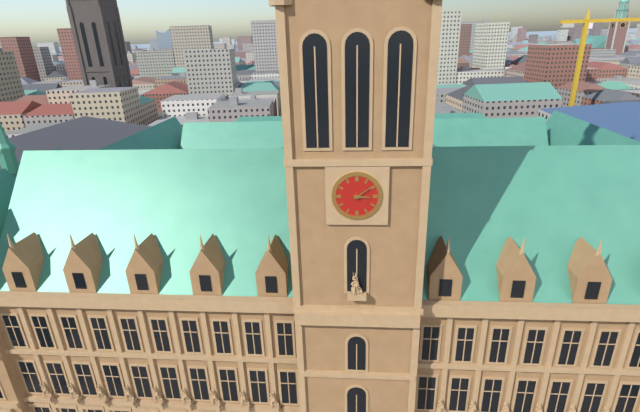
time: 3:09
